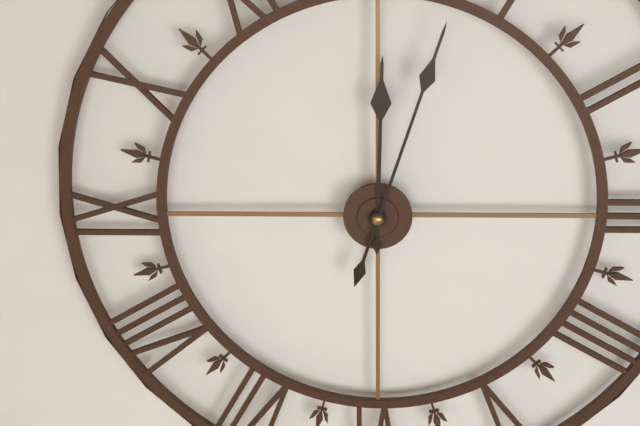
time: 12:03
